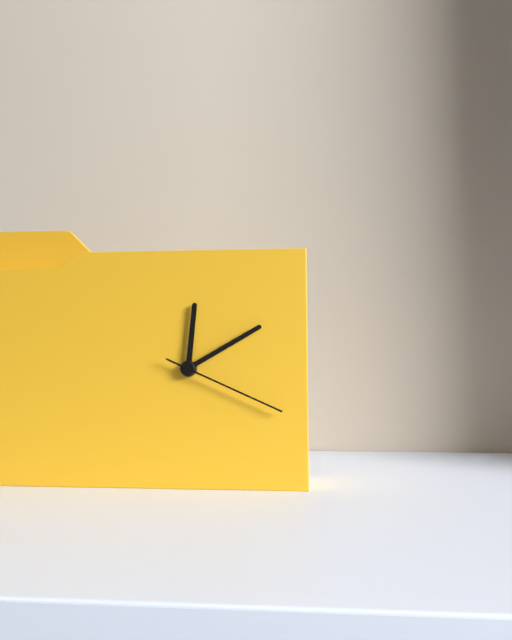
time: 12:10:19
